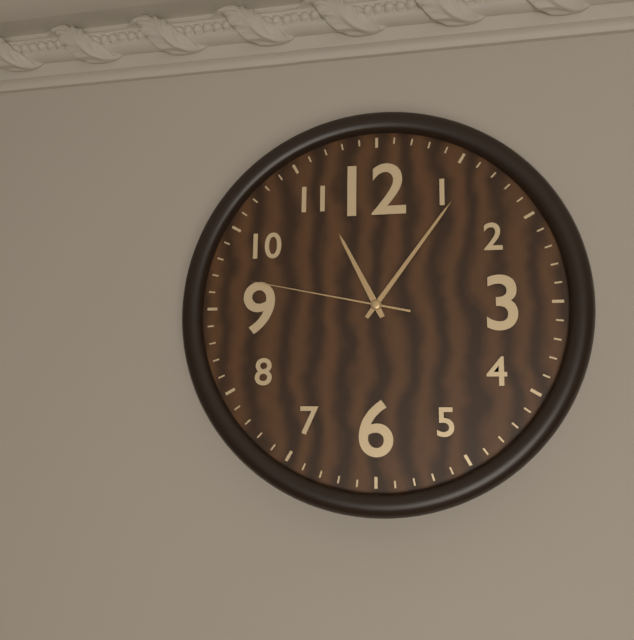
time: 11:06:47
